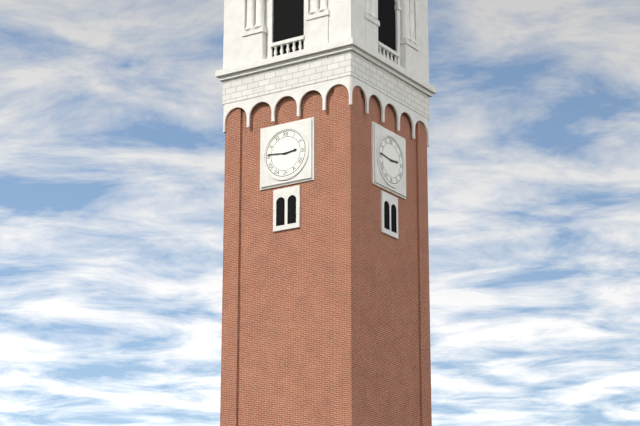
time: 2:46
